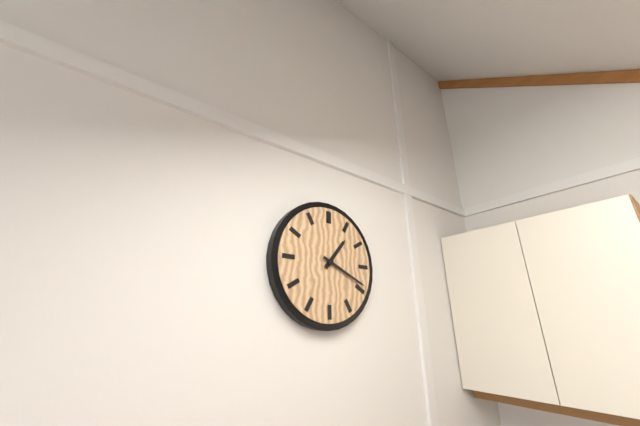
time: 1:19
